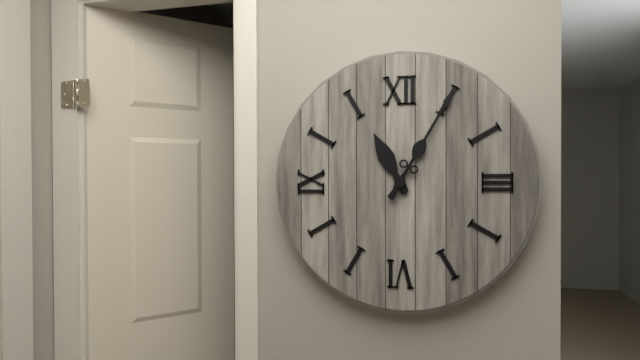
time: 11:05
